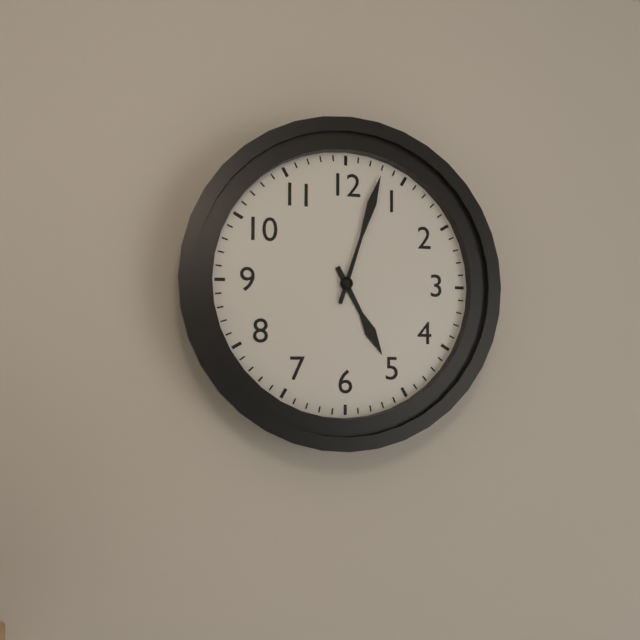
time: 5:03
